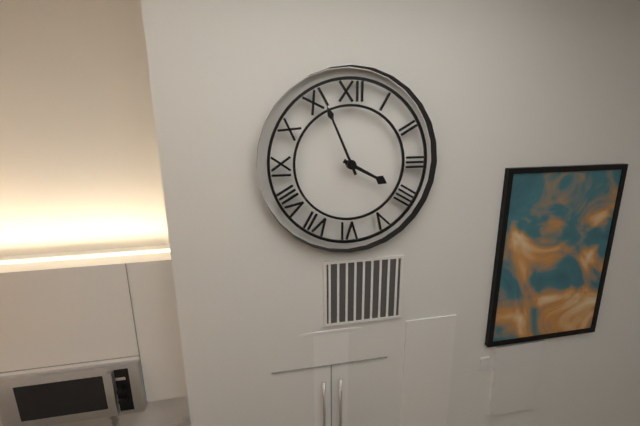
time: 3:56
